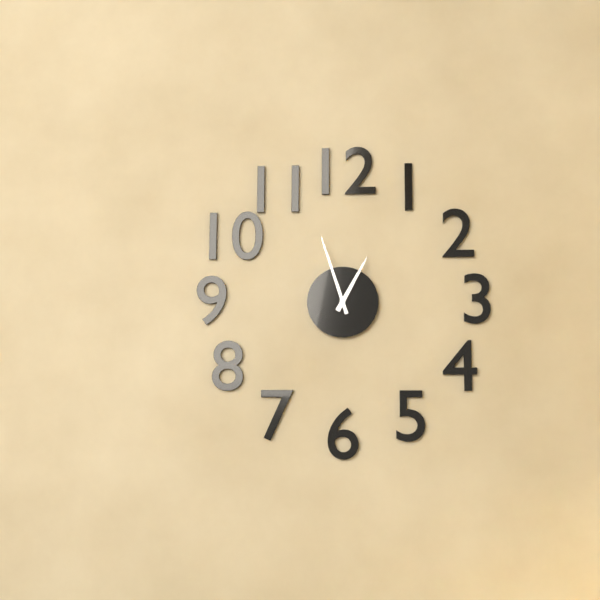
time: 12:57
